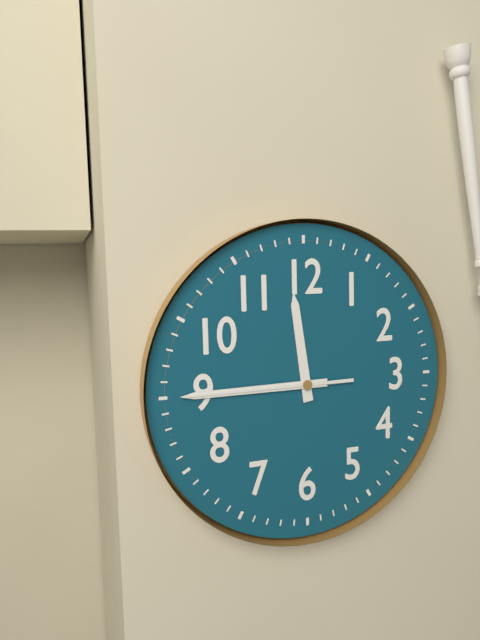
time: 11:45:45
